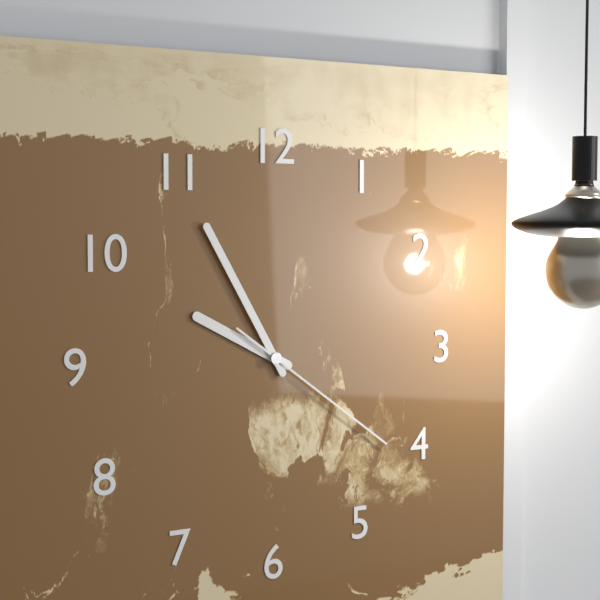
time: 9:55:21
